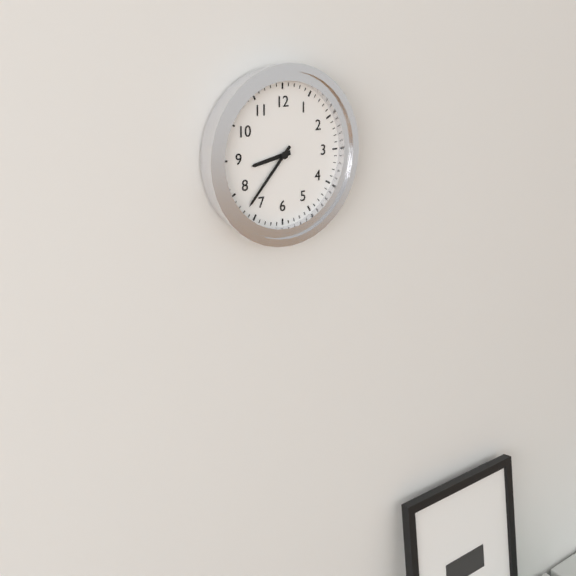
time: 8:37
